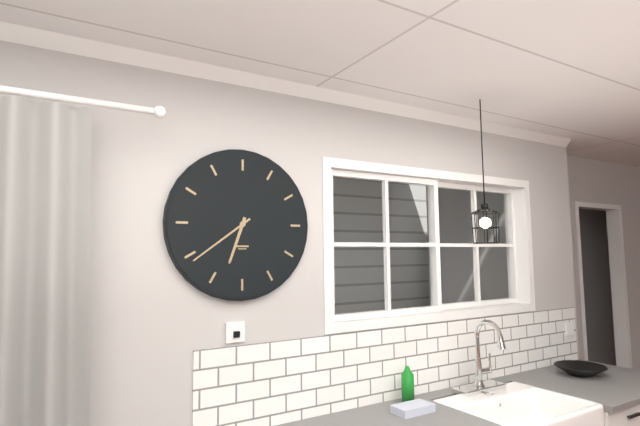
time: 6:39
